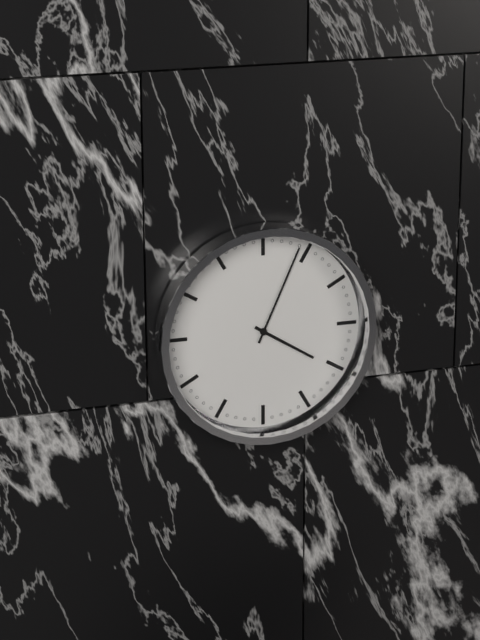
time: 4:04
